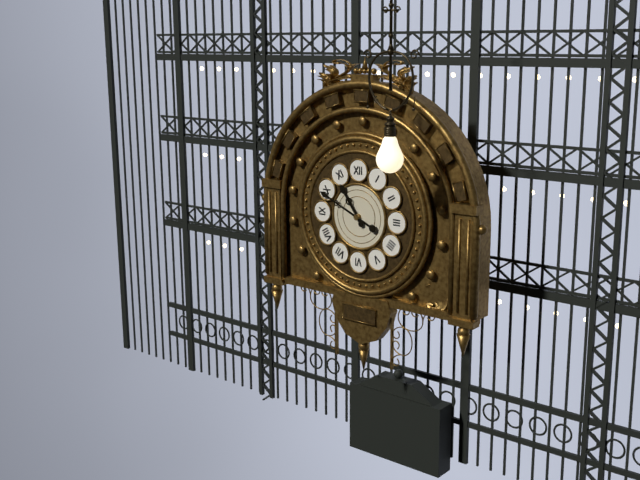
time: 10:49
